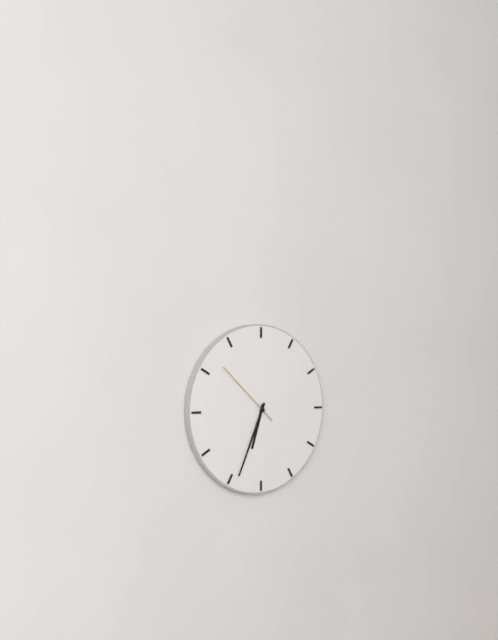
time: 6:34:52
